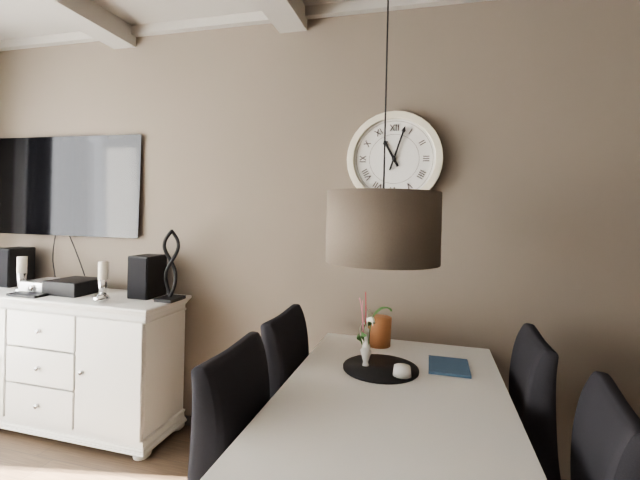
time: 11:03
